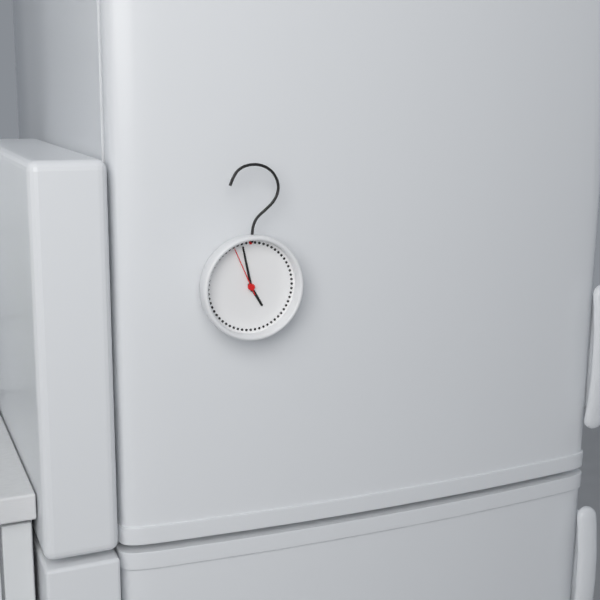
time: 4:58:56
